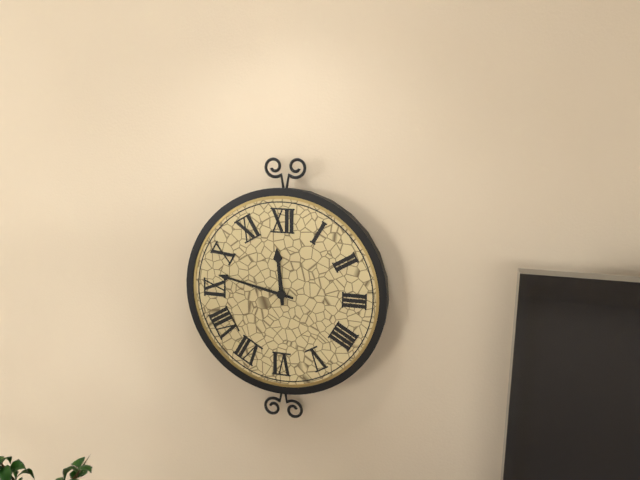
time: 11:47
